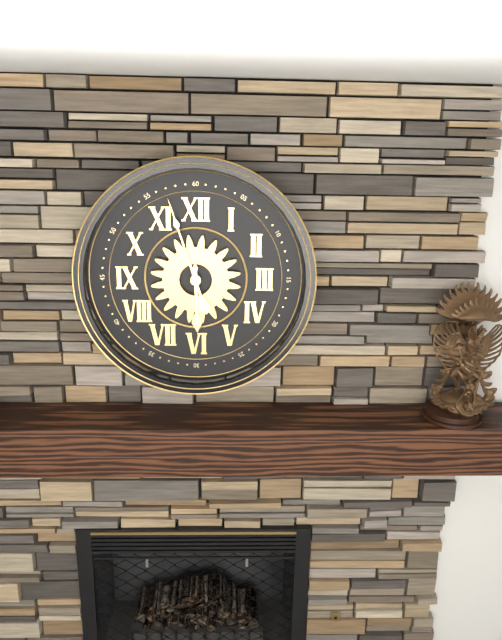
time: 5:57
